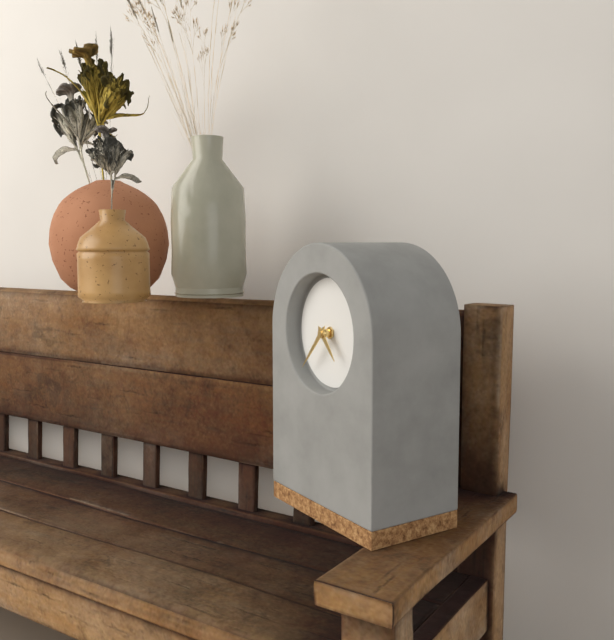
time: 4:37
